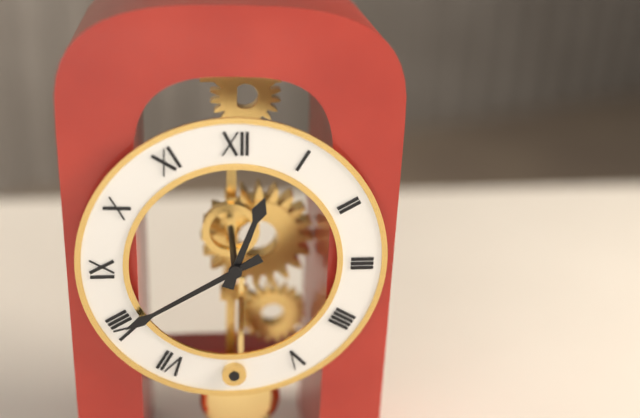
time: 12:40
